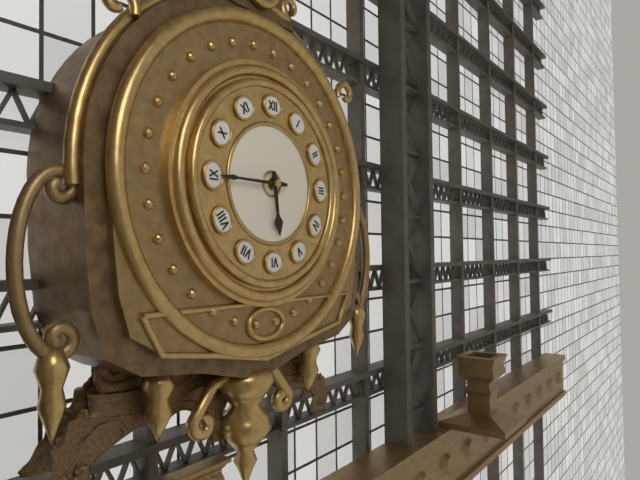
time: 5:45
